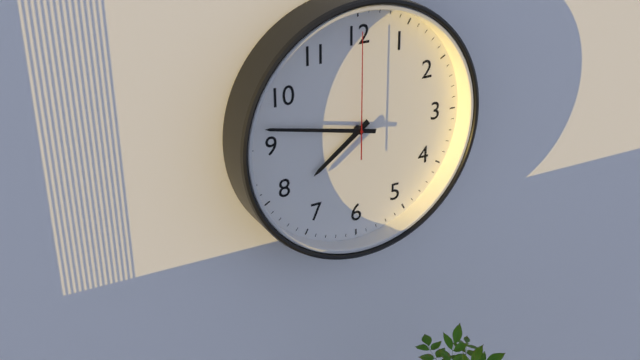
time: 7:47:00
